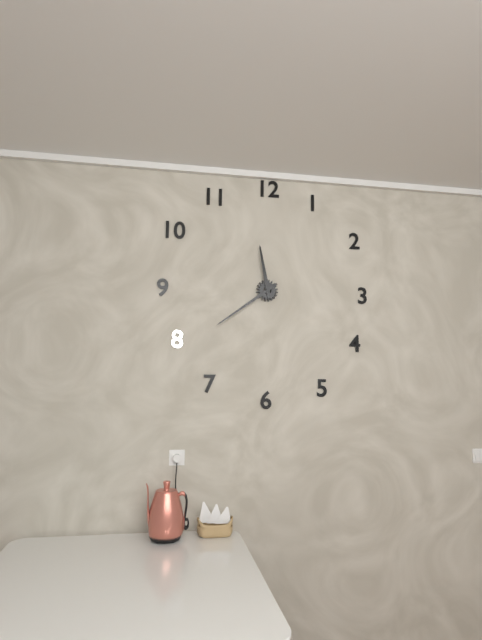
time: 11:39
